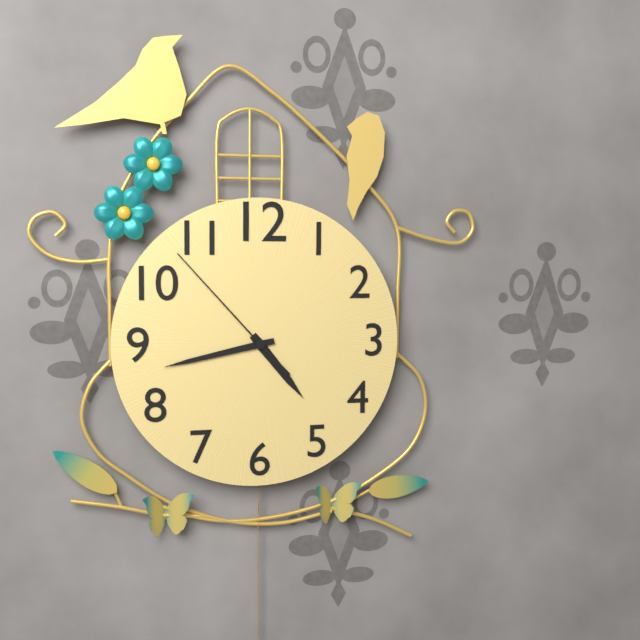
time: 4:43:53
